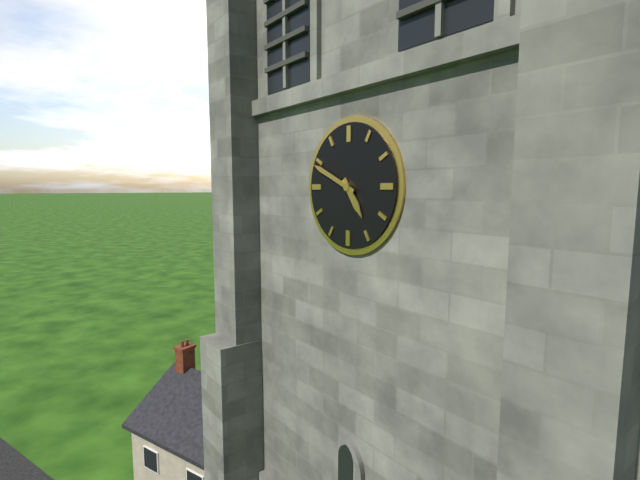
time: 4:49
